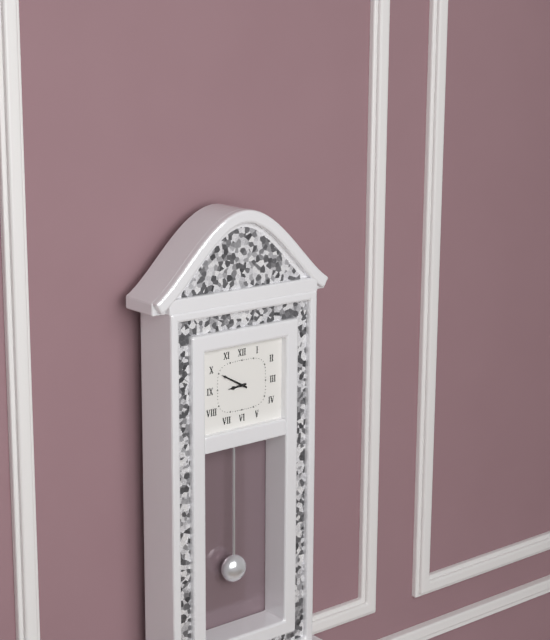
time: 8:50
